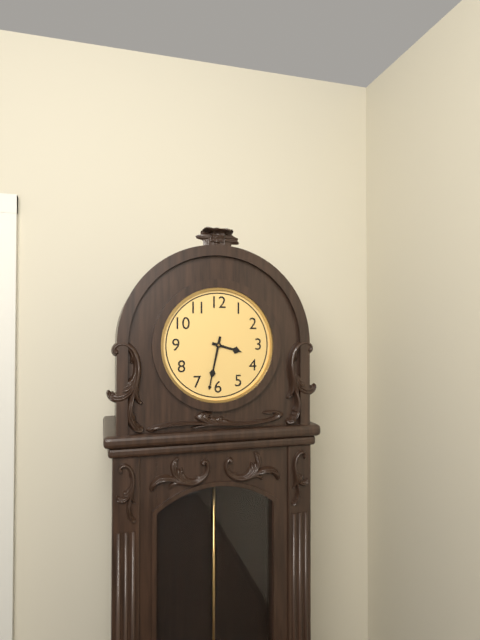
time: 3:32
